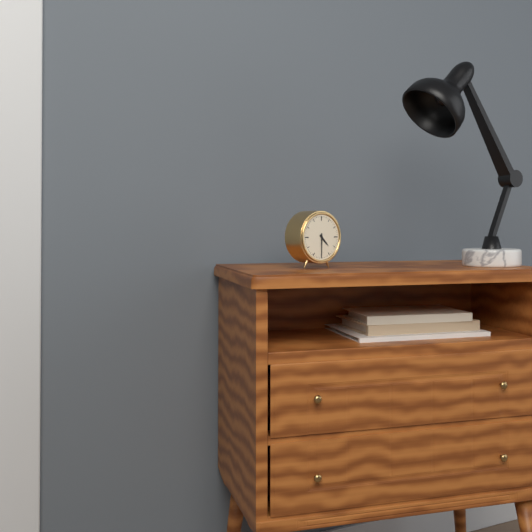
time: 4:30
